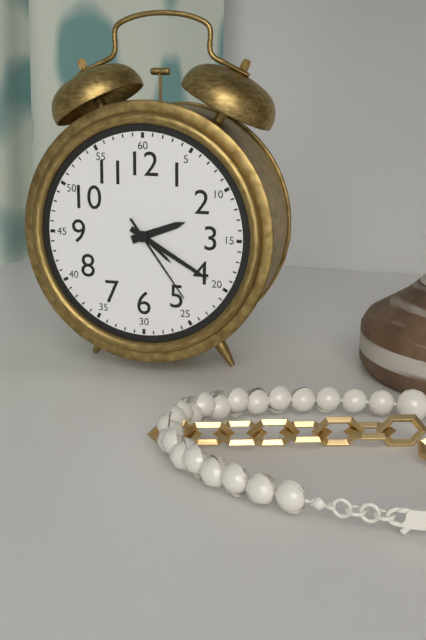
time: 2:20:24
